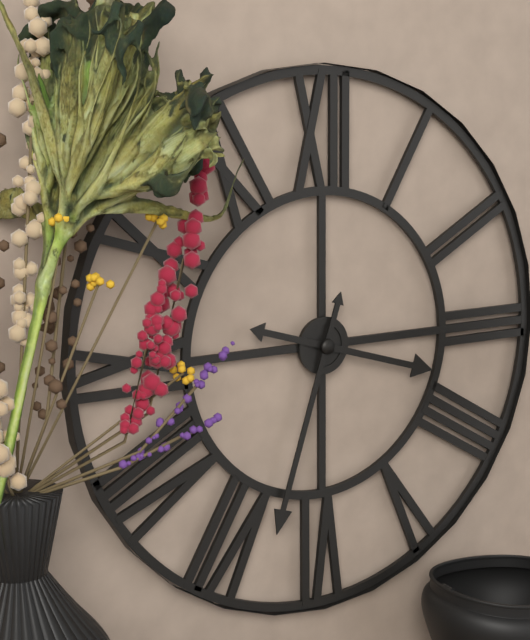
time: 3:33
